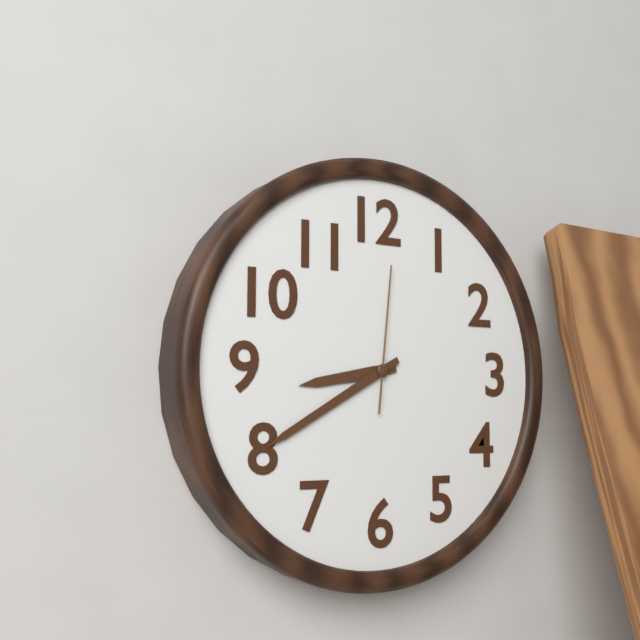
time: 8:40:01
